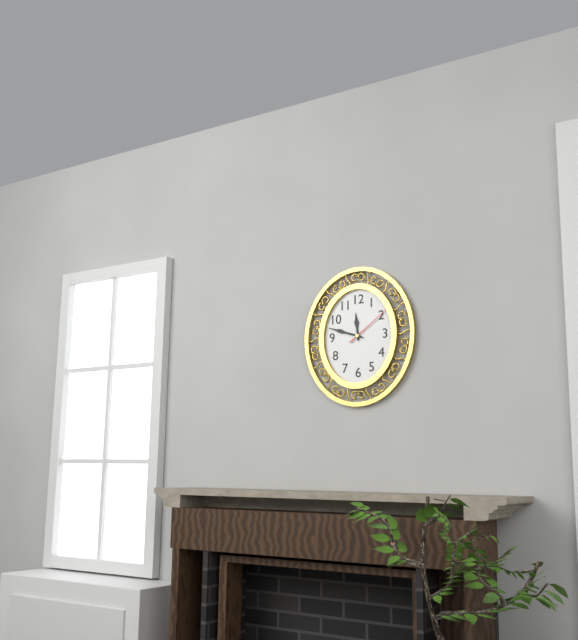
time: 11:48
